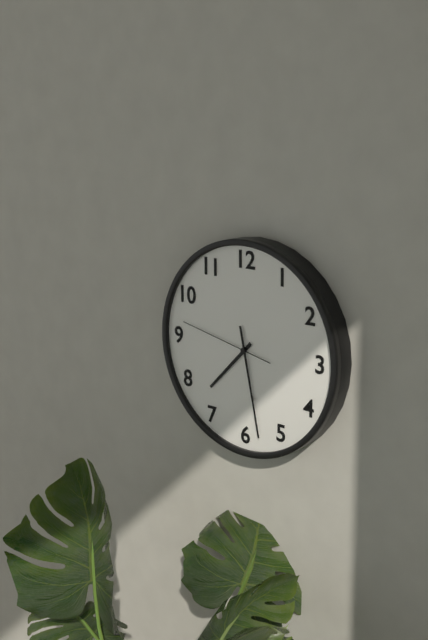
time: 7:28:47
